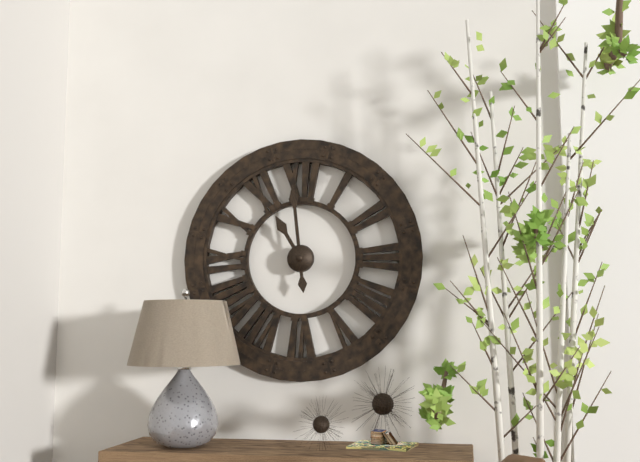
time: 10:59
